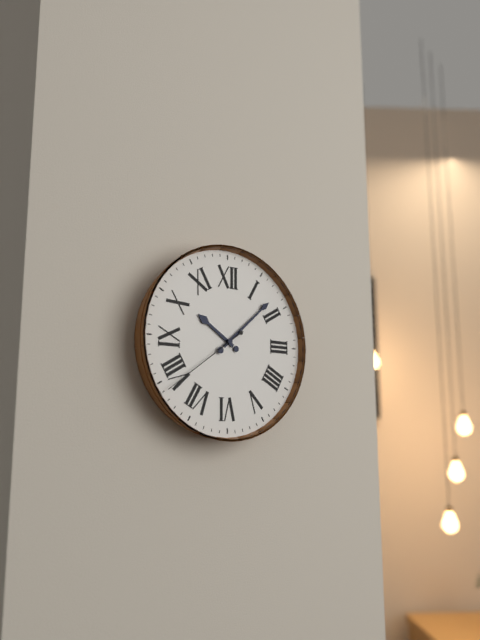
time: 10:08:39
